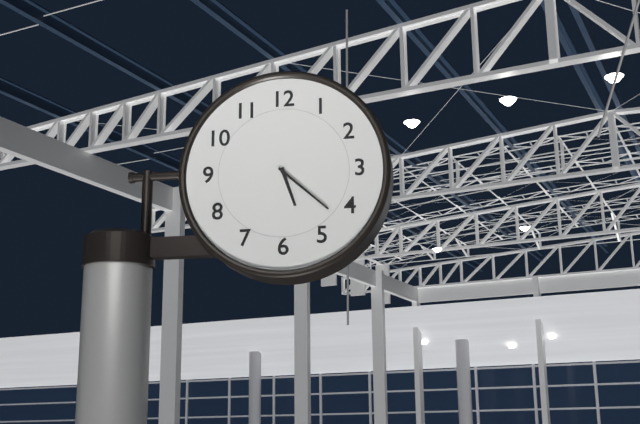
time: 5:22
